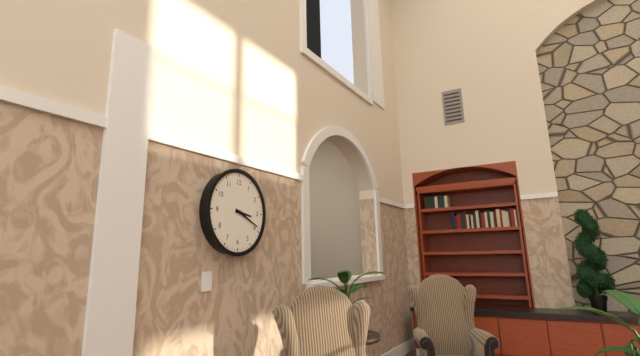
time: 3:19
